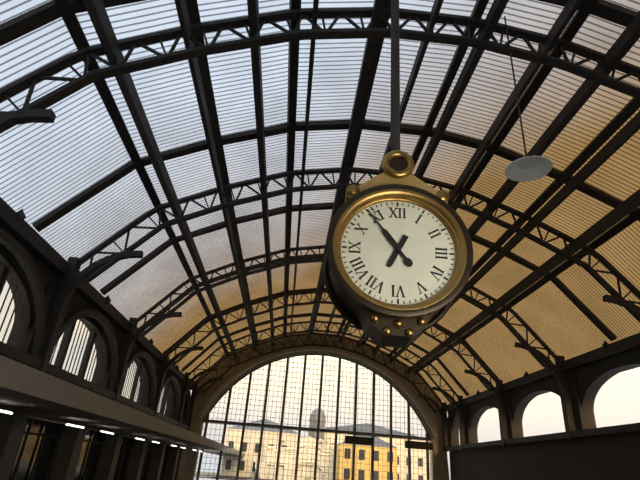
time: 6:54
